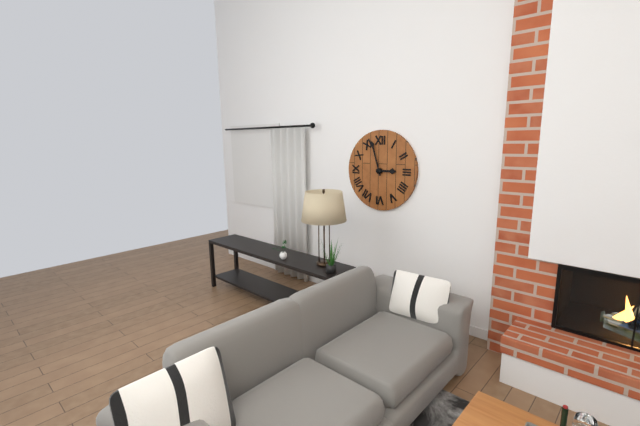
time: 2:57
